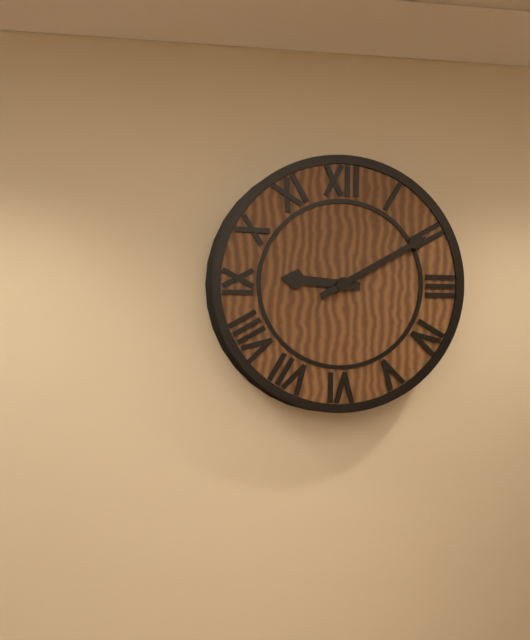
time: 9:10
